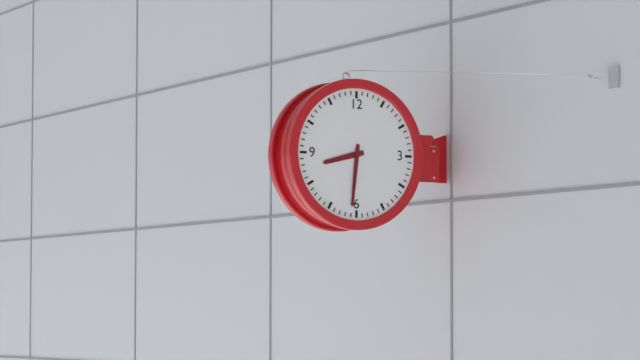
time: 8:31
